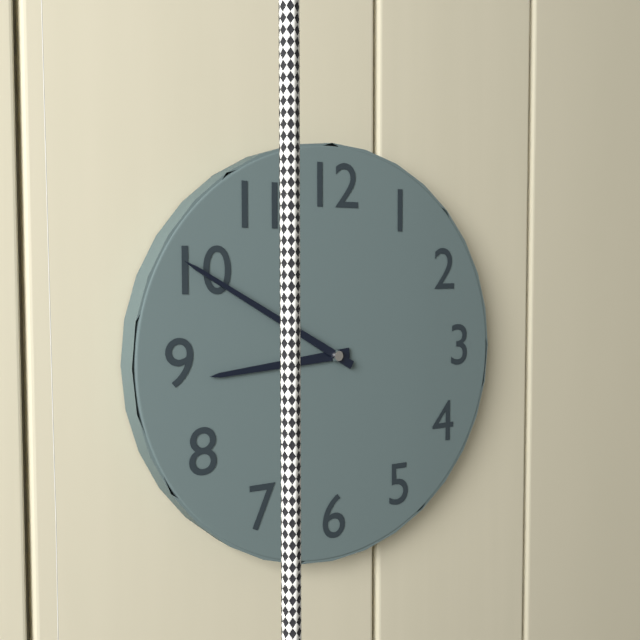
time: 8:50
